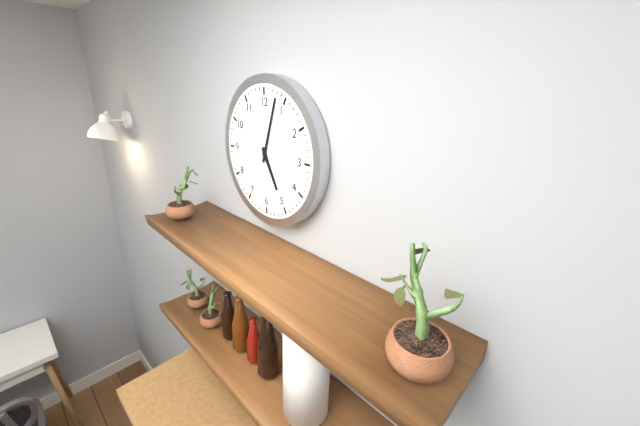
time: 5:03
